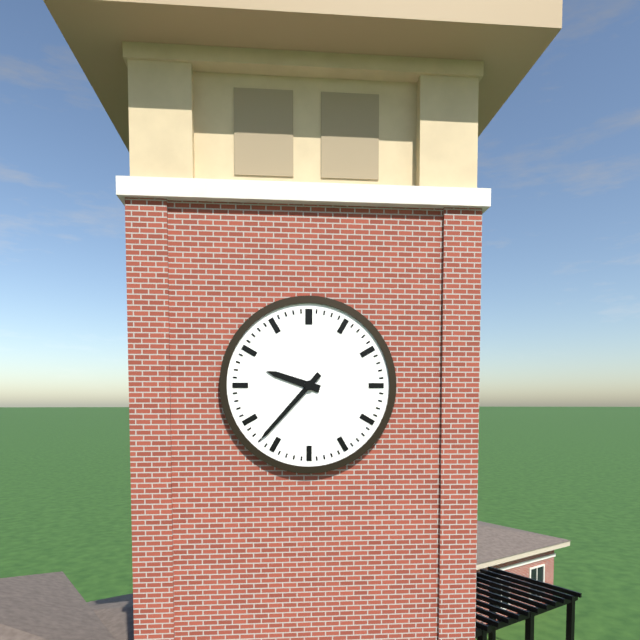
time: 9:37
